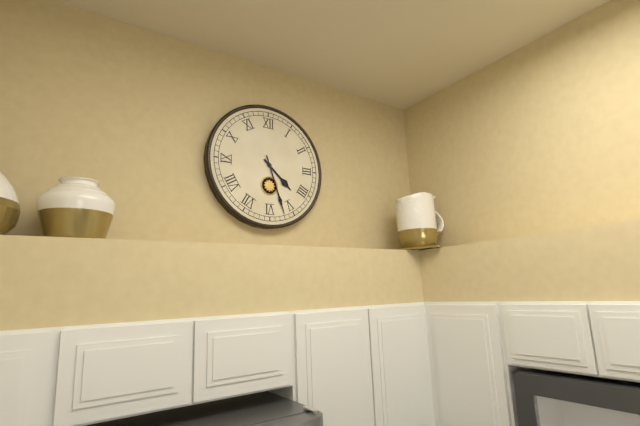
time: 4:27
